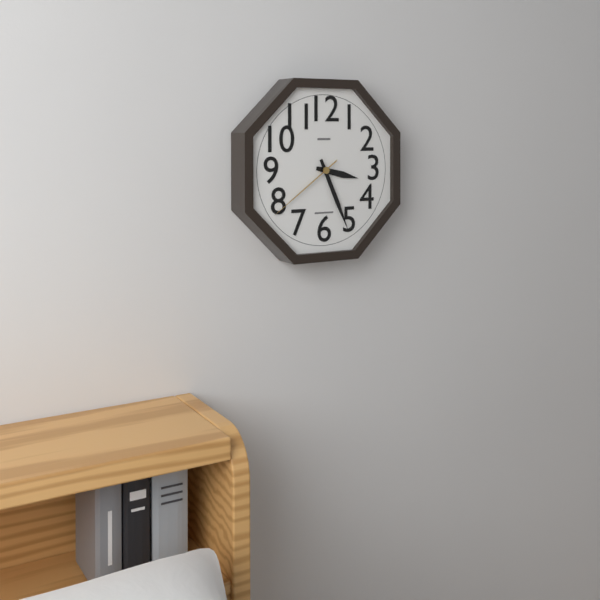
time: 3:26:39
